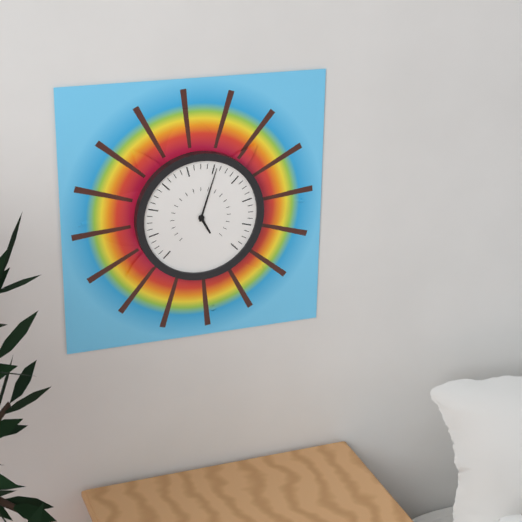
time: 5:03
